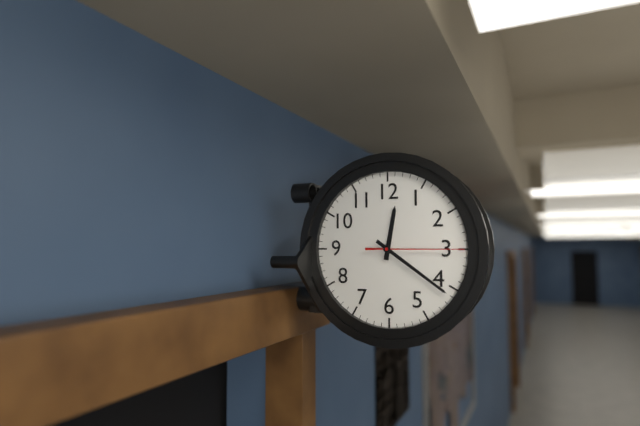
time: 12:21:15
